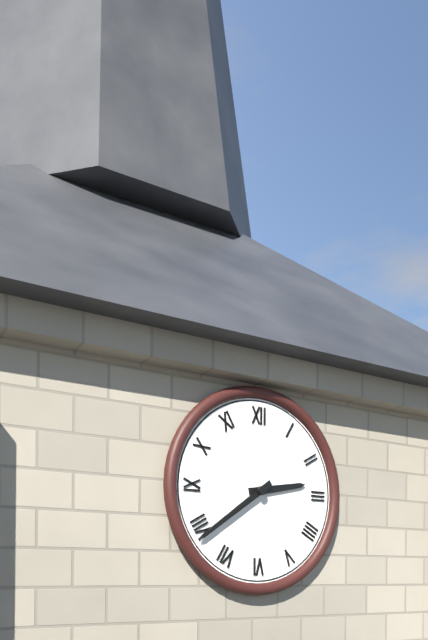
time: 2:39
